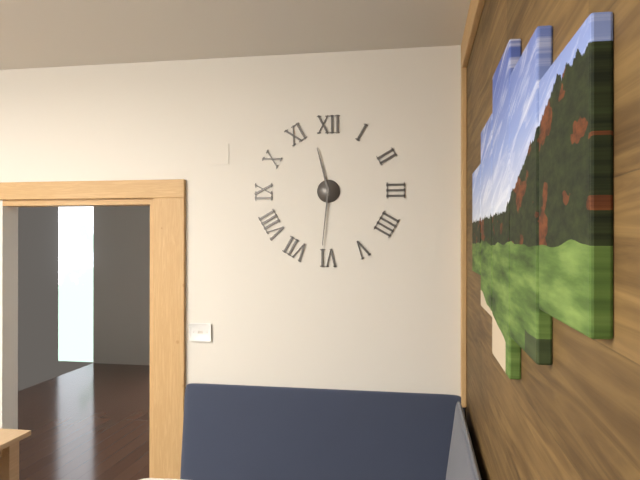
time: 11:31
